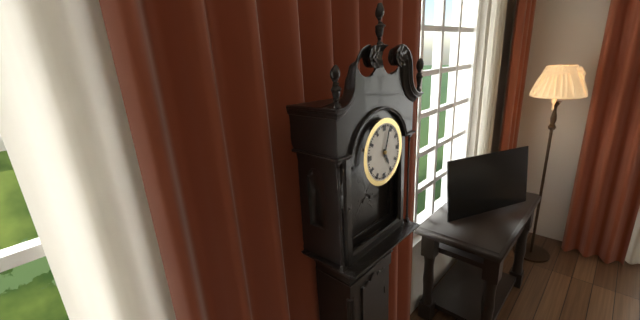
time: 5:03
